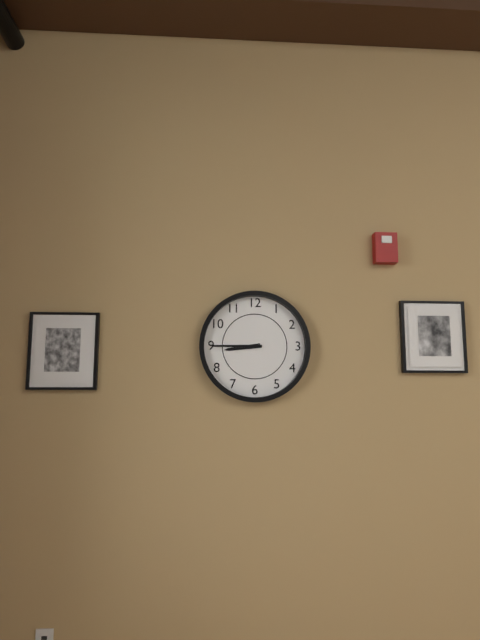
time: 8:45
